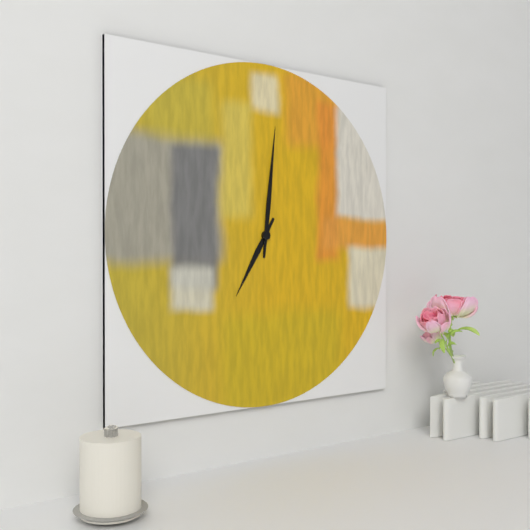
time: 7:01
